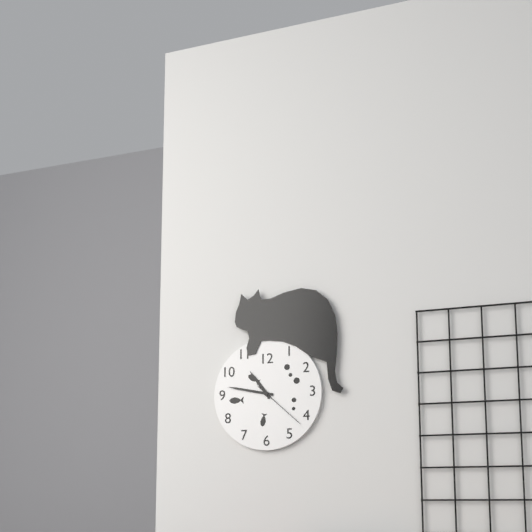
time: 10:47:22
